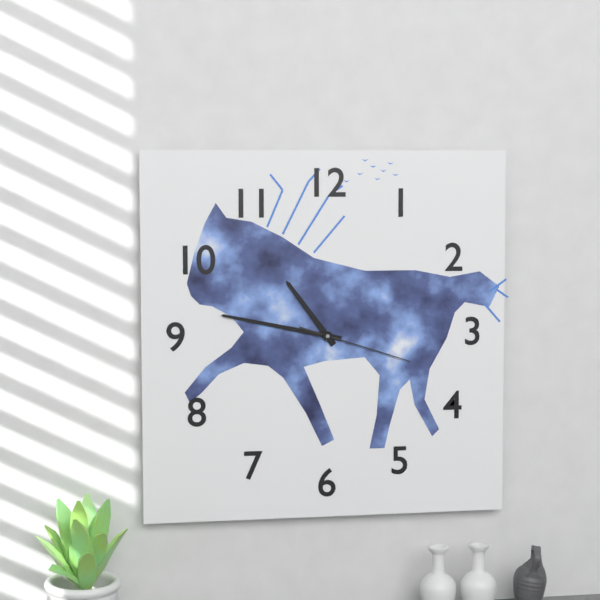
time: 10:47:18
